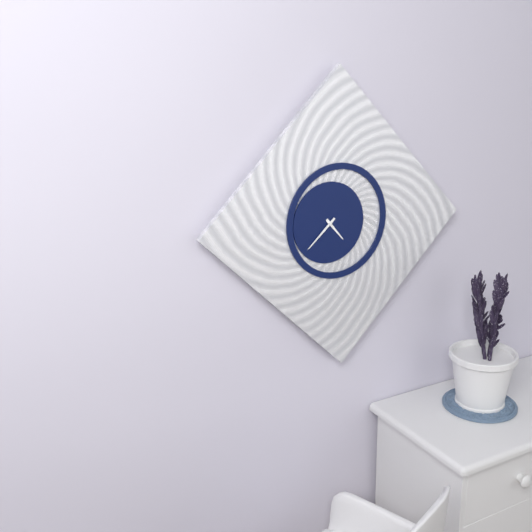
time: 4:38
